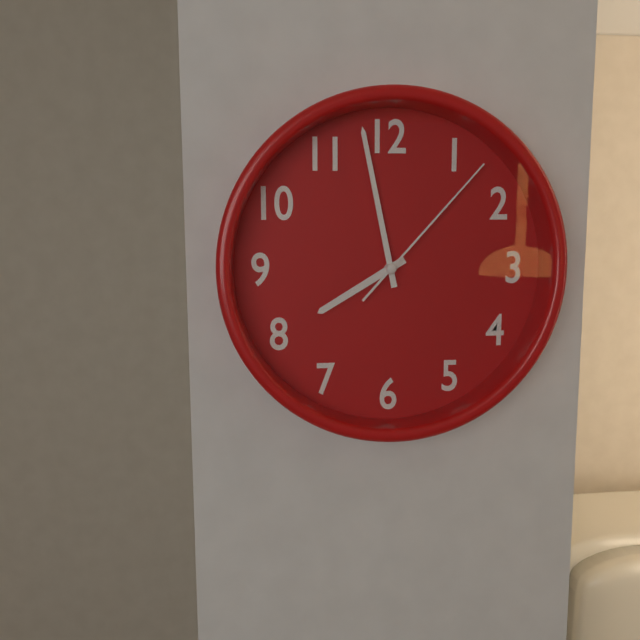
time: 7:58:07
